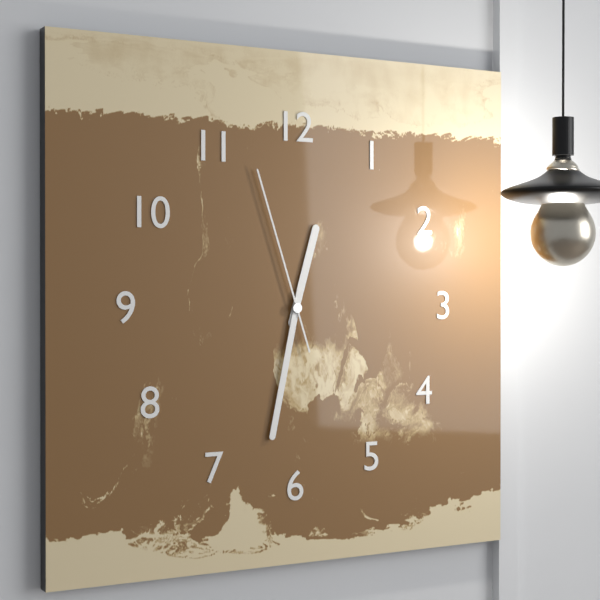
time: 12:32:57
